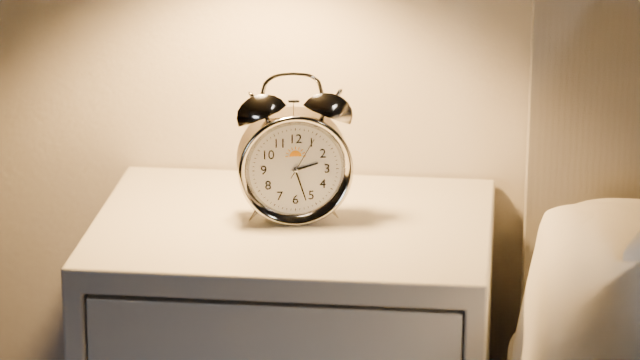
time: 2:27
